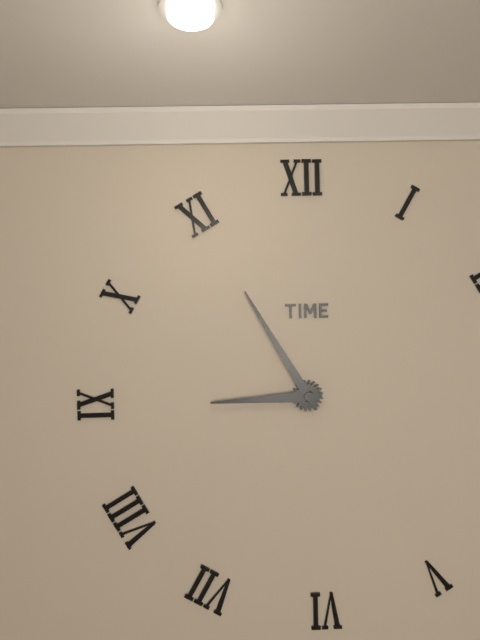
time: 8:55
